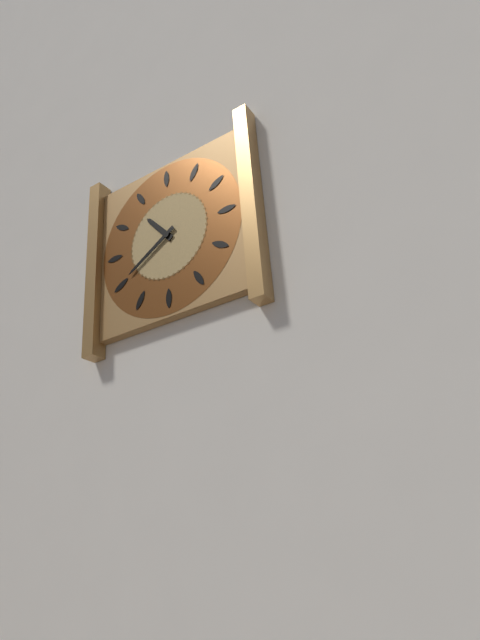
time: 10:40
